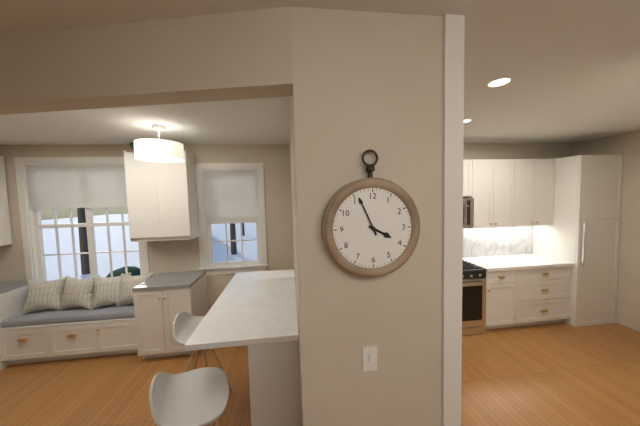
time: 3:56
